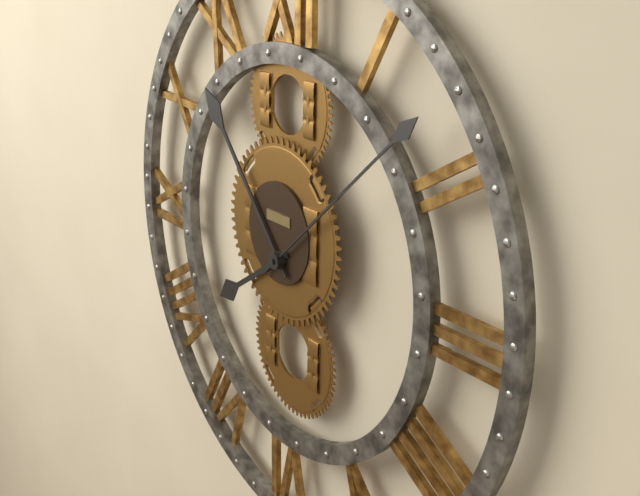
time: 7:53:08
